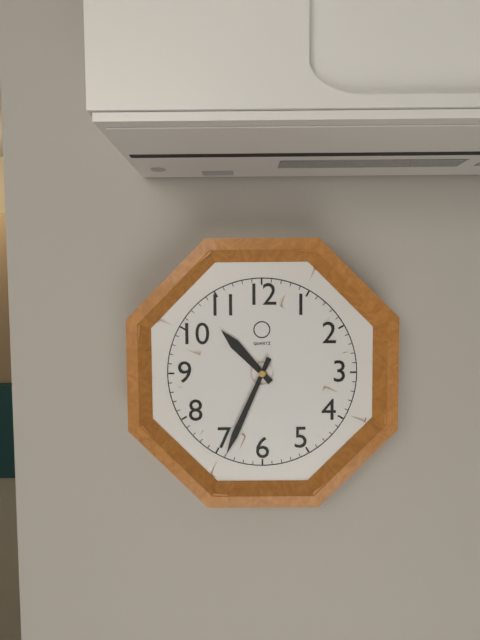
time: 10:34
